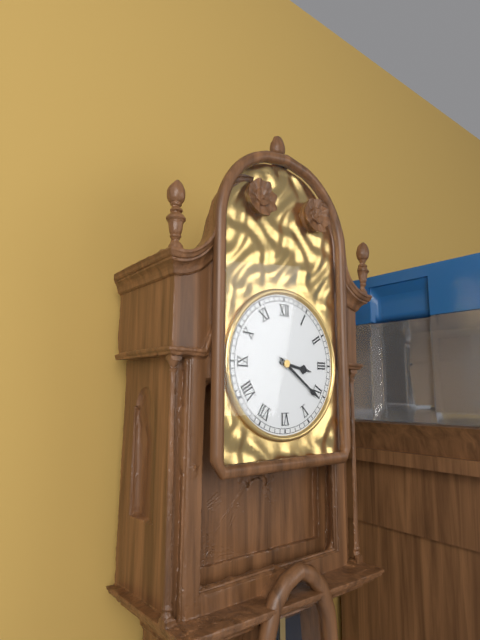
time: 3:21
